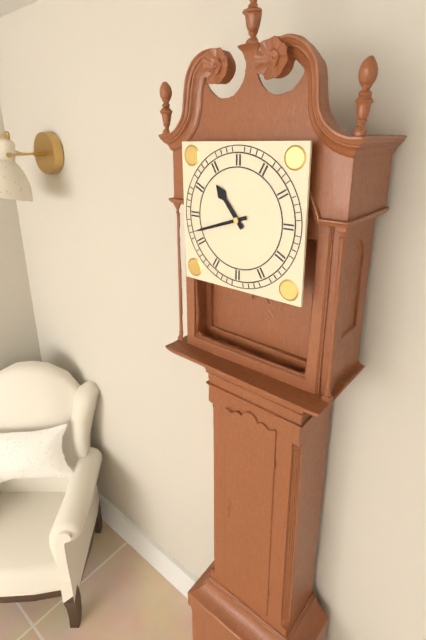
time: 10:42
